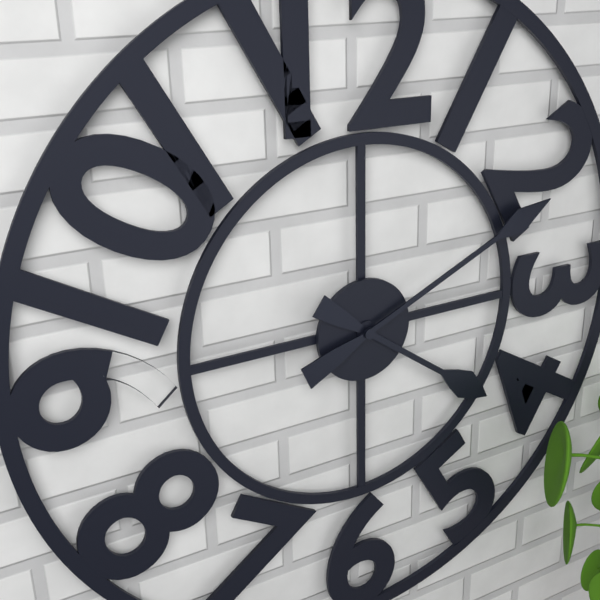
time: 4:11
